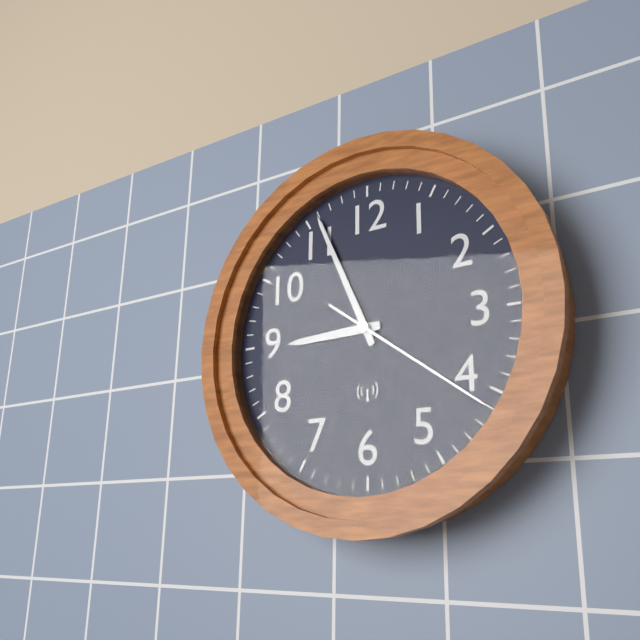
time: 8:56:21
